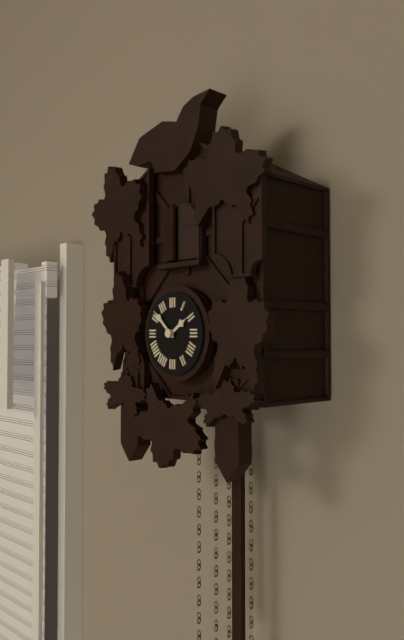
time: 1:52
